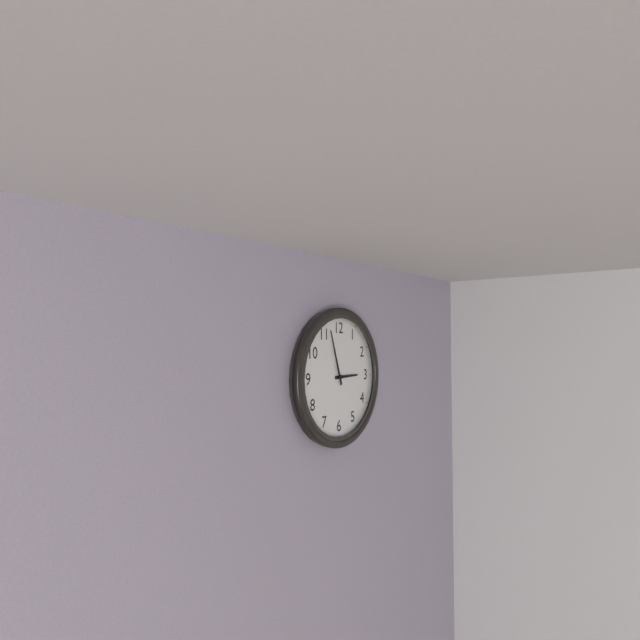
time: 2:57
